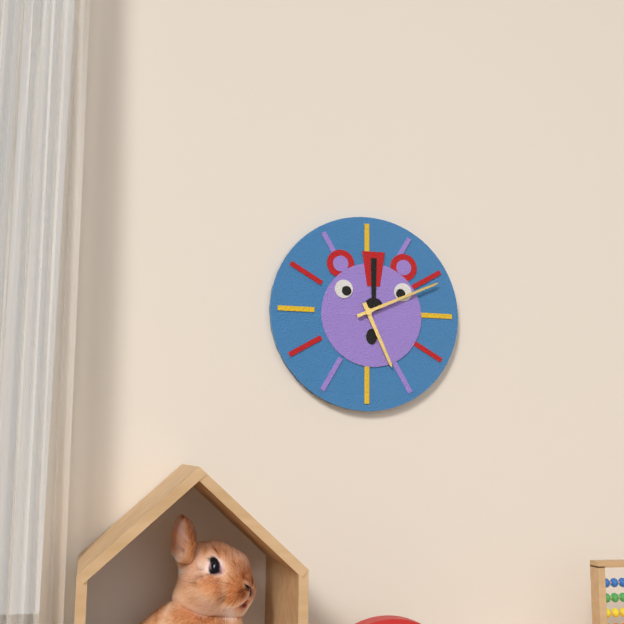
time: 5:11
